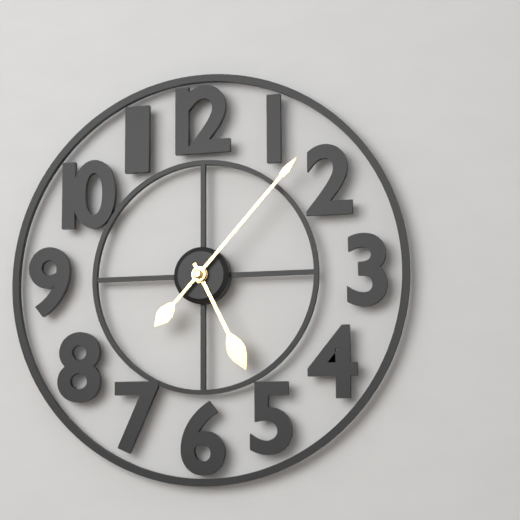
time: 5:07
